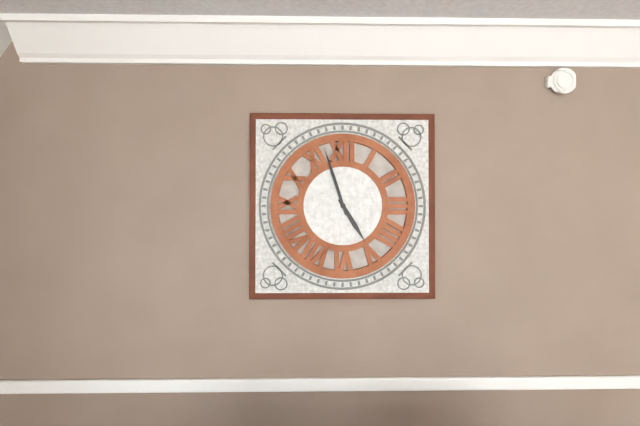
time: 4:57
